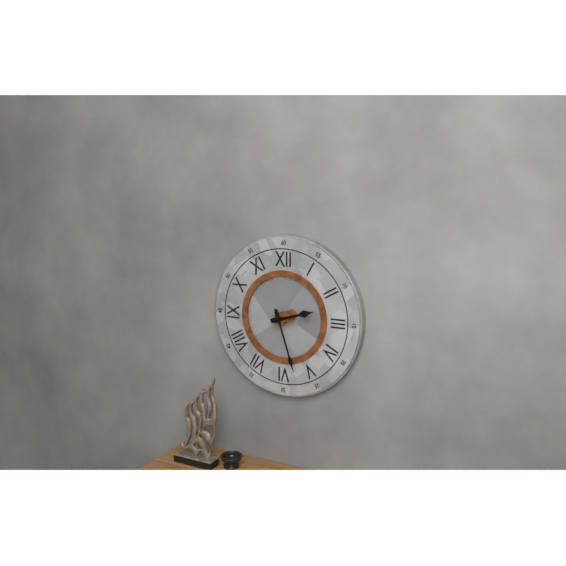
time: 2:27
